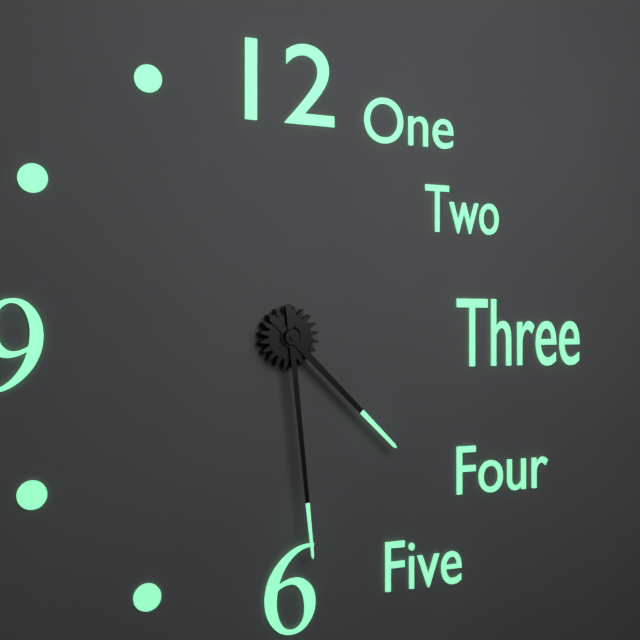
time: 4:29
